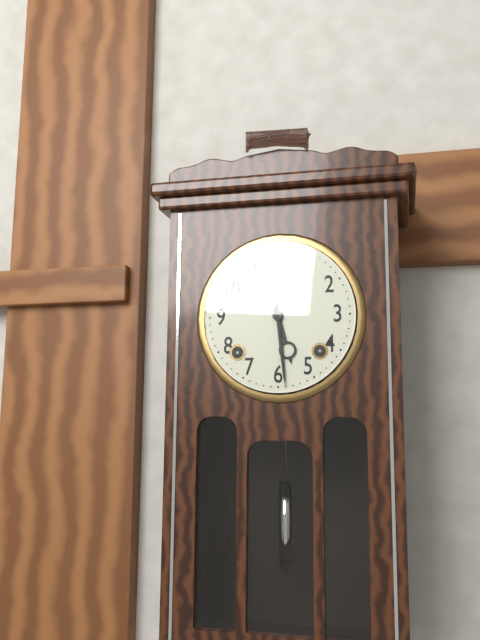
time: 5:29
